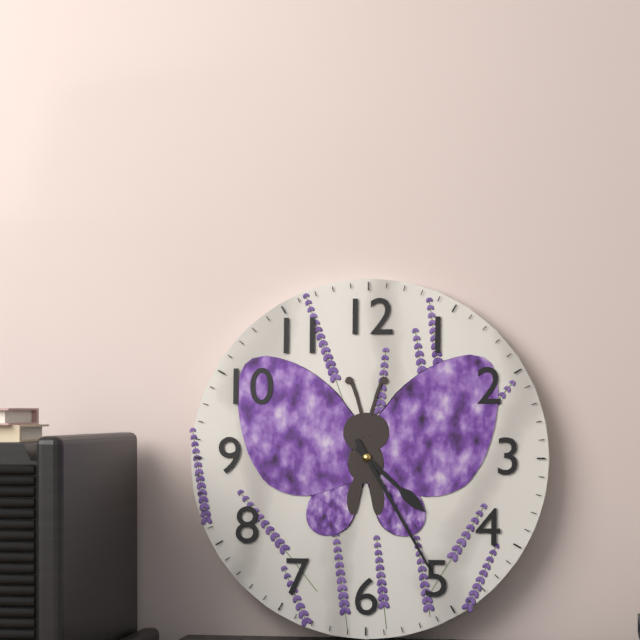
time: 4:25
